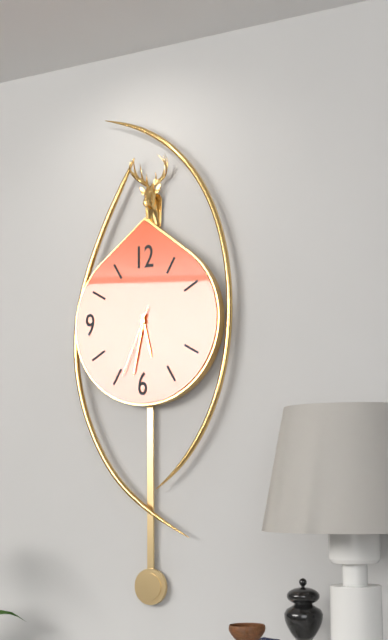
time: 5:32:34
